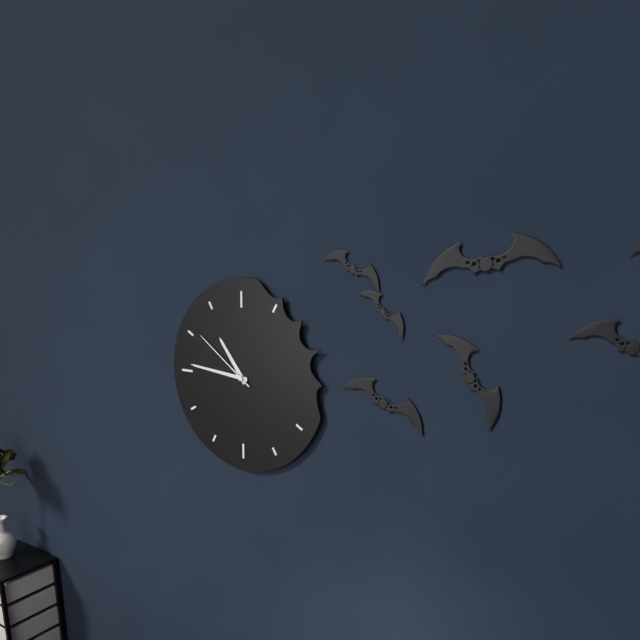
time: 10:46:51
